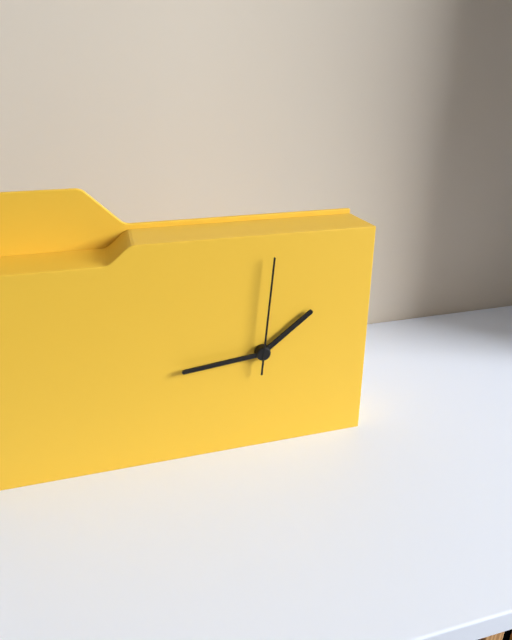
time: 1:44:01
